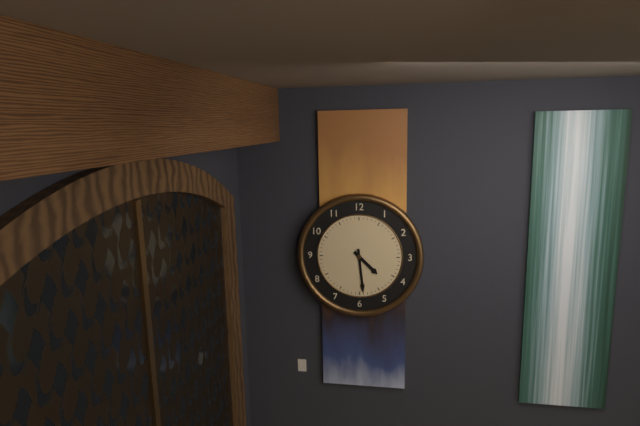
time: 4:29
